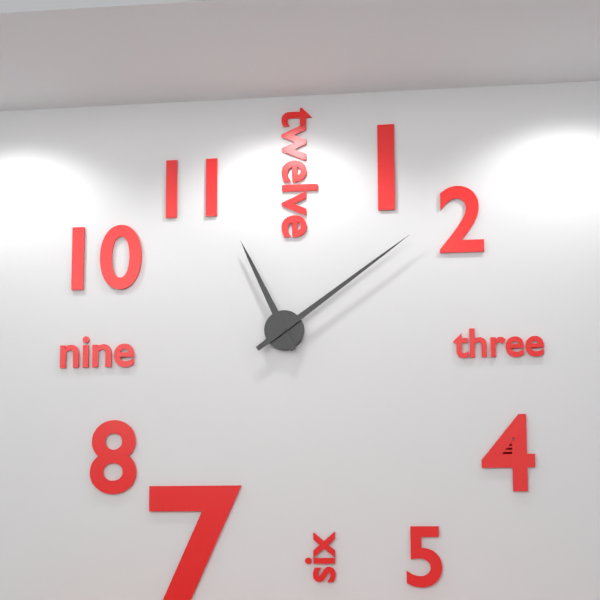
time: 11:09
